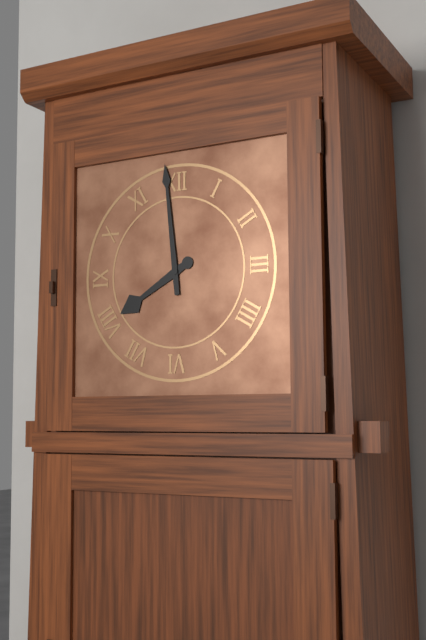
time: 7:59
